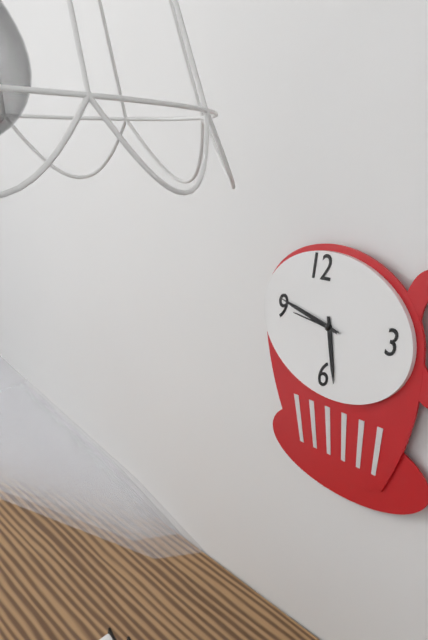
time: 5:47:46
